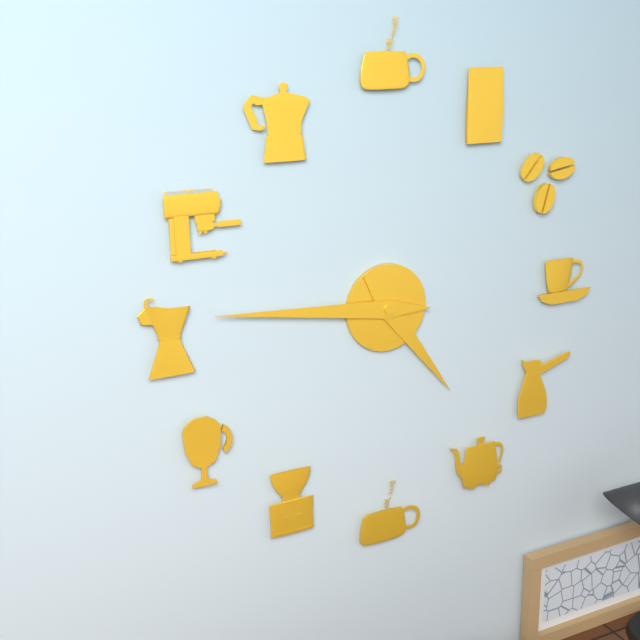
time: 4:46
